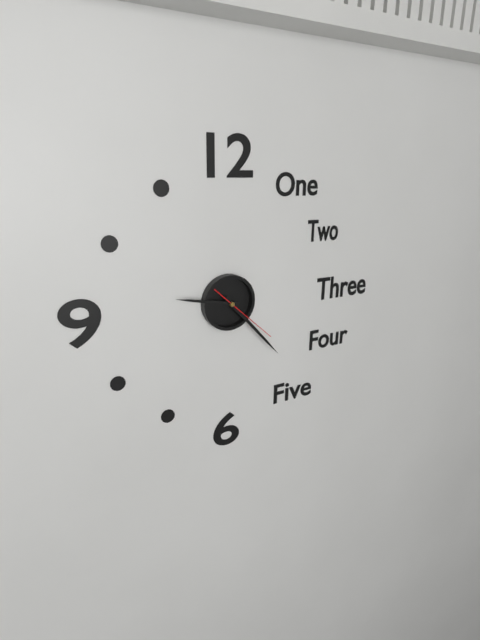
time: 9:23:22
